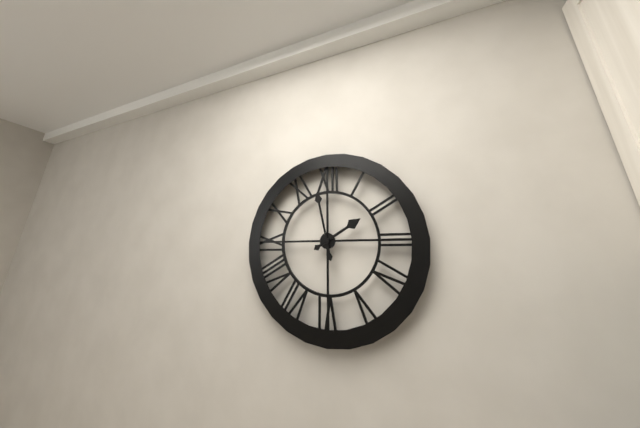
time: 1:58
